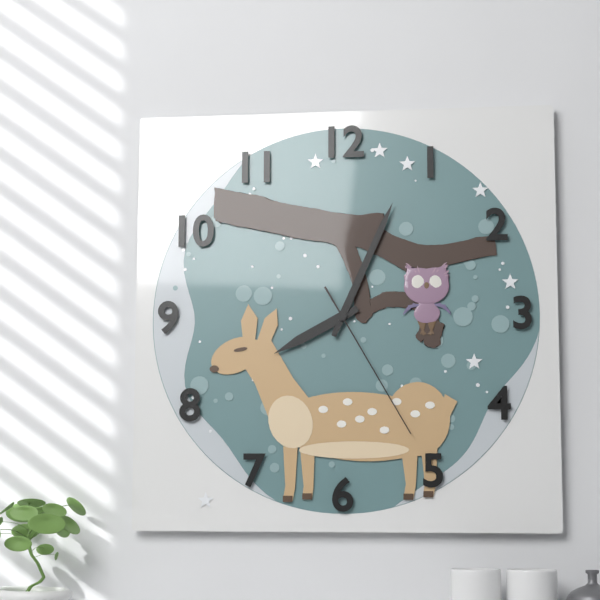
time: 8:04:25
